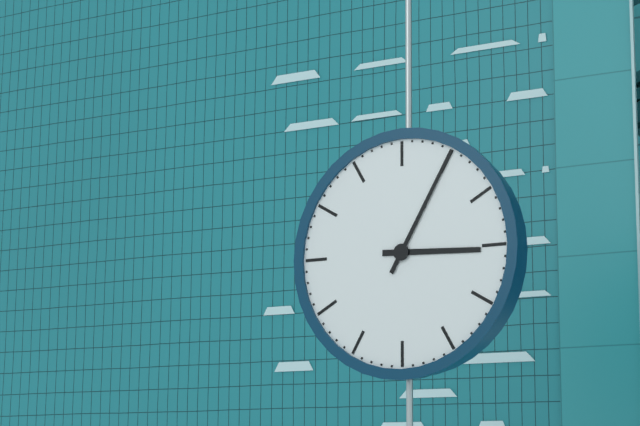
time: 3:05
